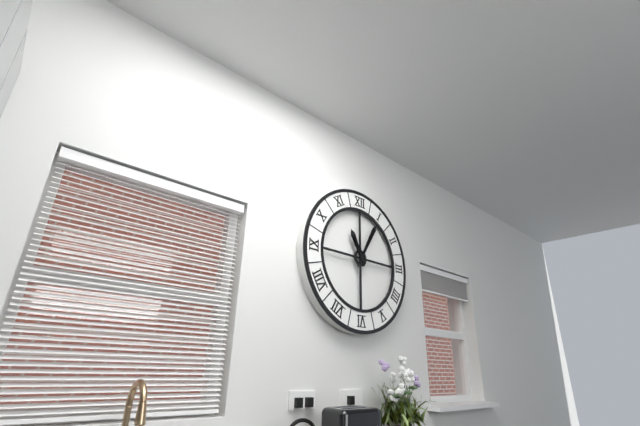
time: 11:05
